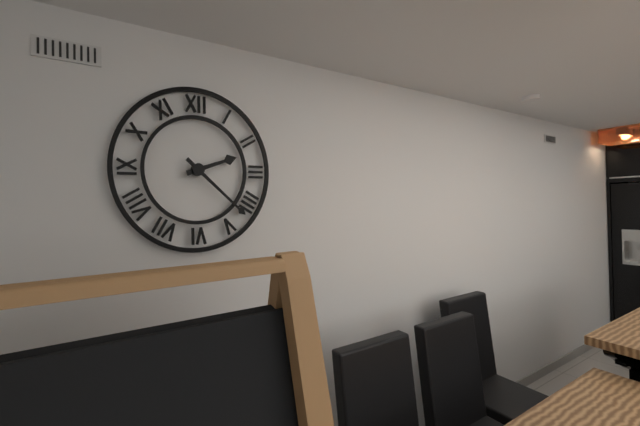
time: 2:22
